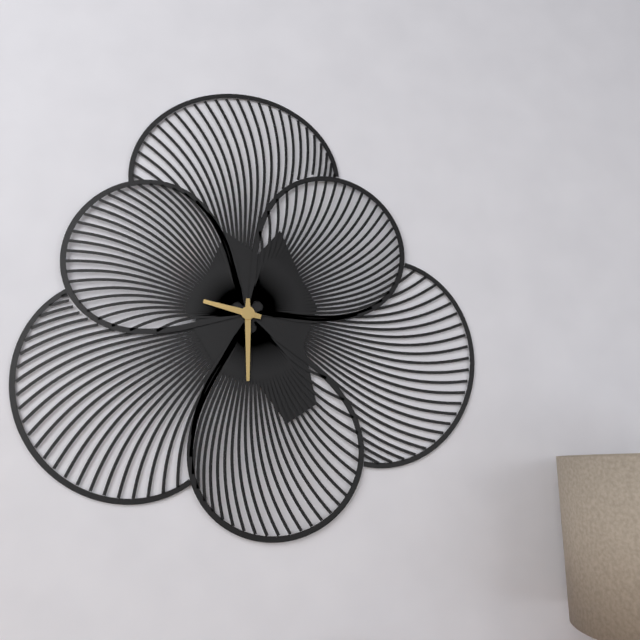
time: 9:30
